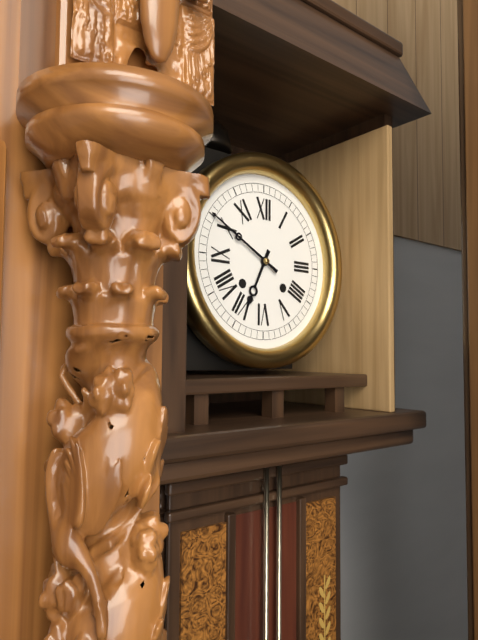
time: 6:50
